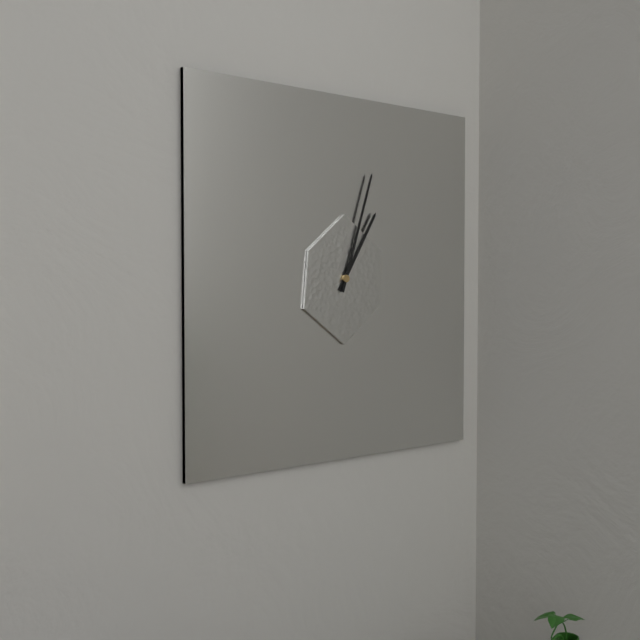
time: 1:03
